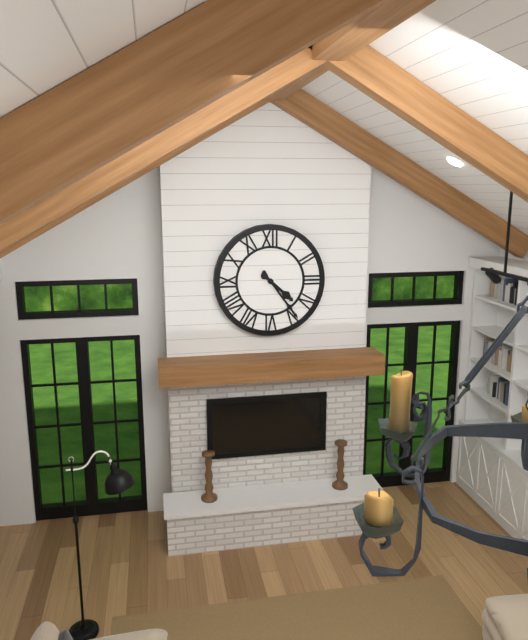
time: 4:24
